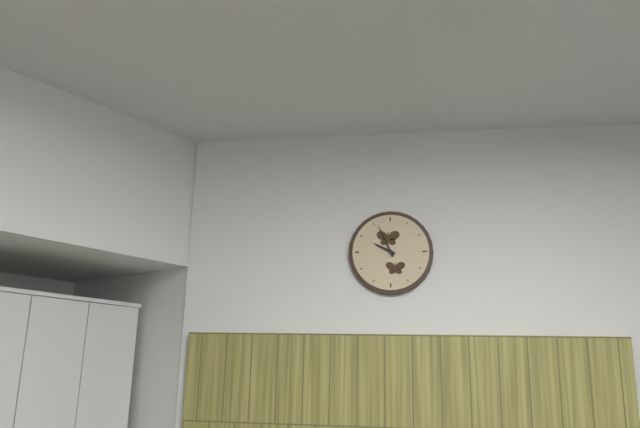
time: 9:56
